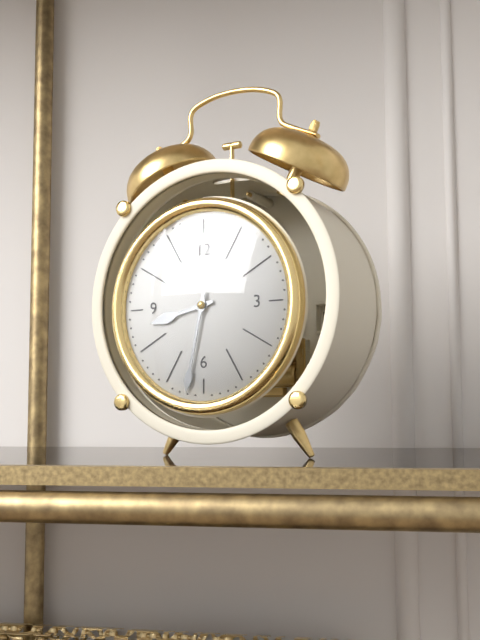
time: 8:32
